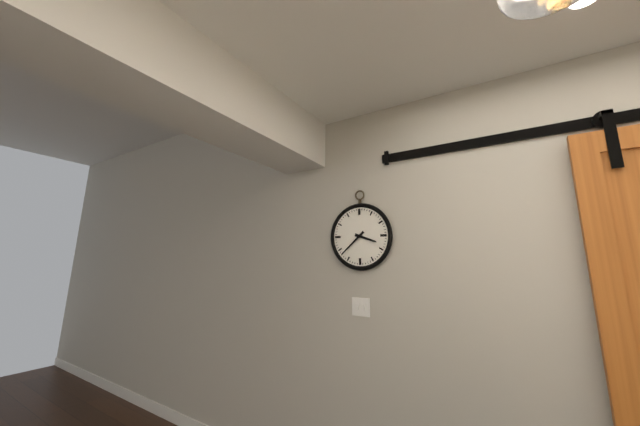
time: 3:38
